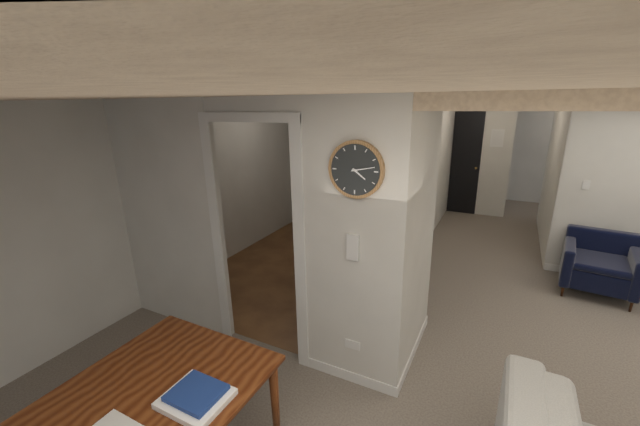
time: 4:13
